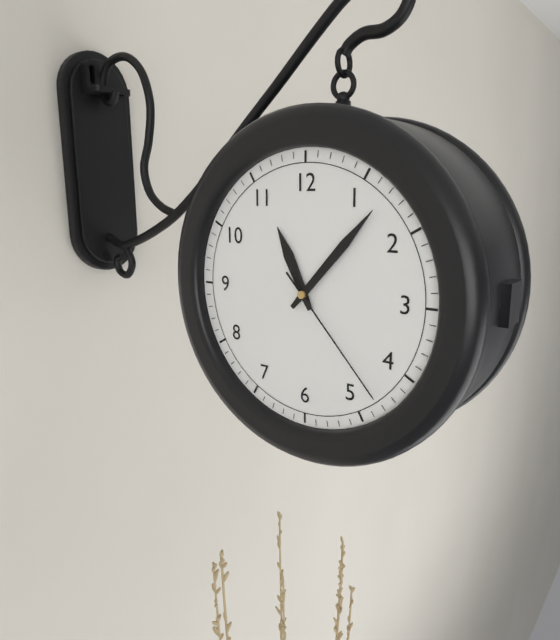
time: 11:07:23
